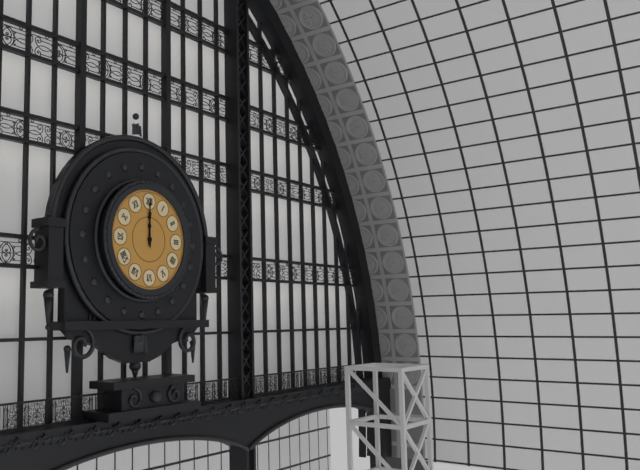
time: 12:00
